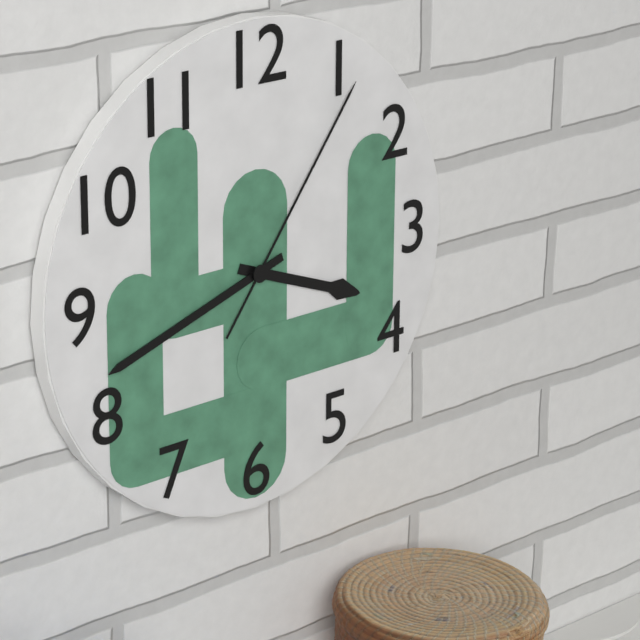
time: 3:42:06
